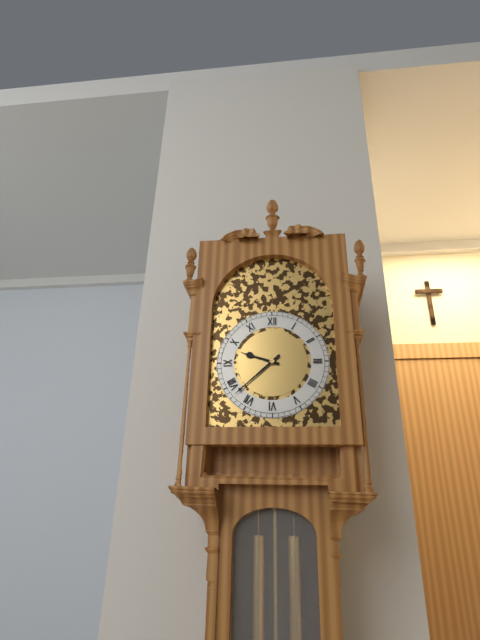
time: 9:38
